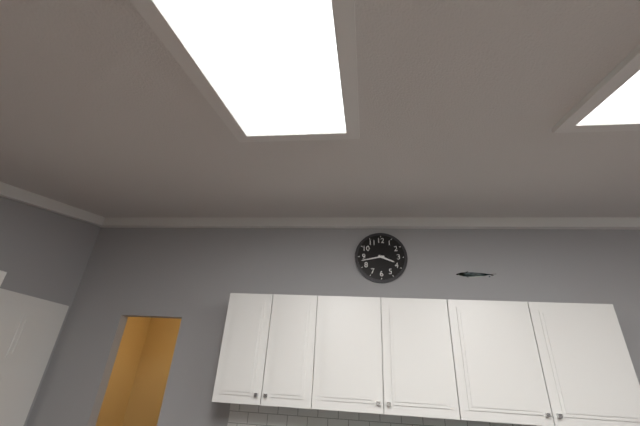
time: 3:43
